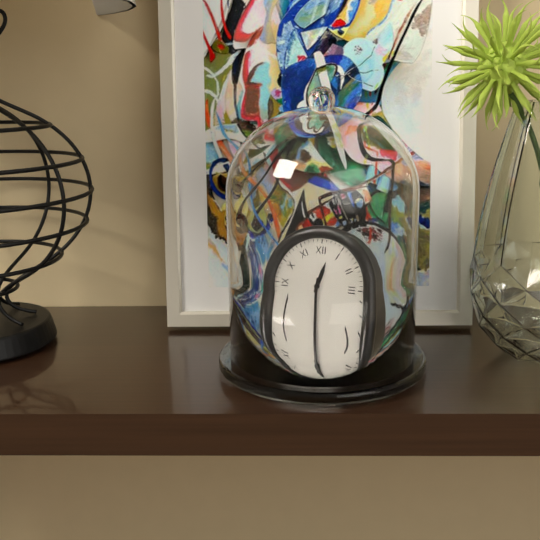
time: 12:30
